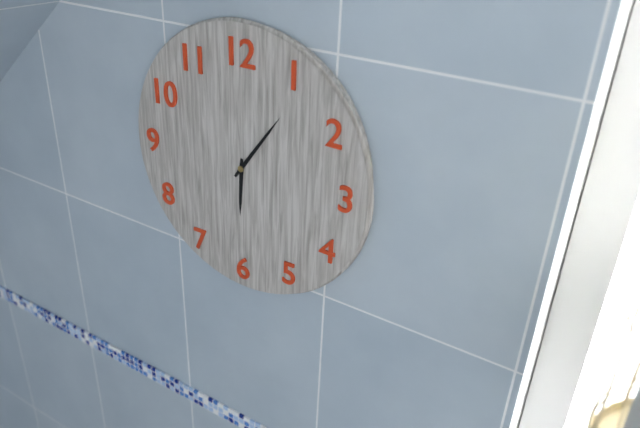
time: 6:06
